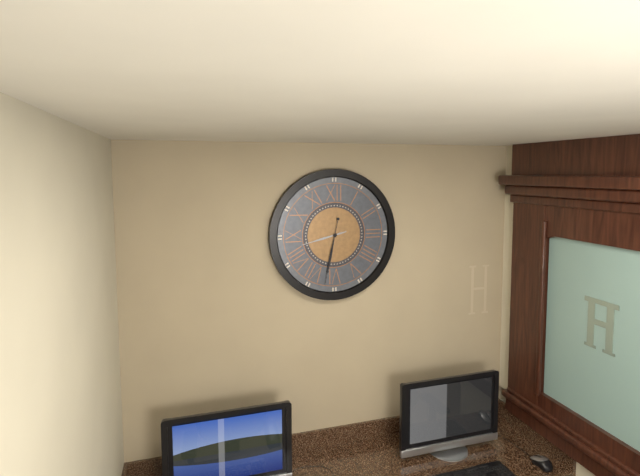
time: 8:32
